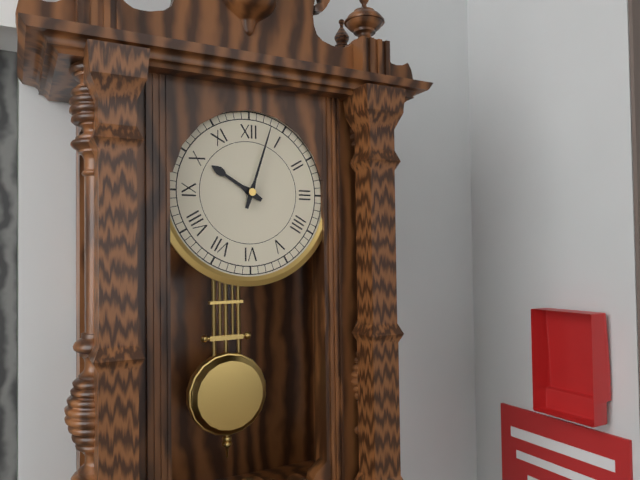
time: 10:03
